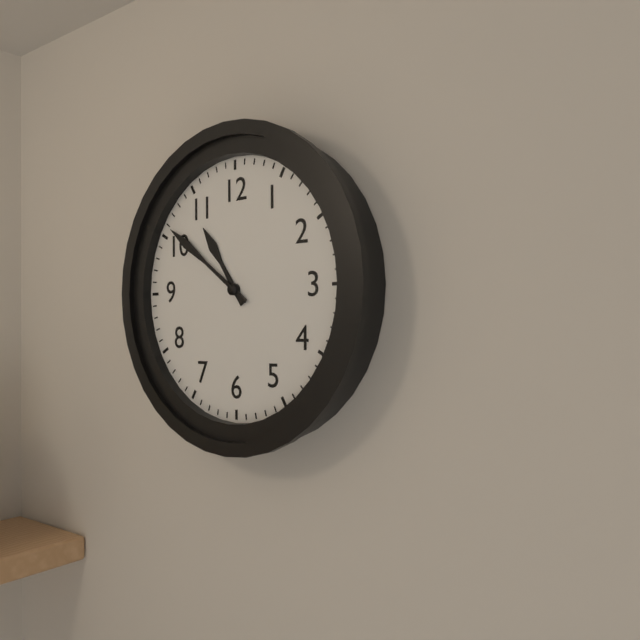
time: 10:51
